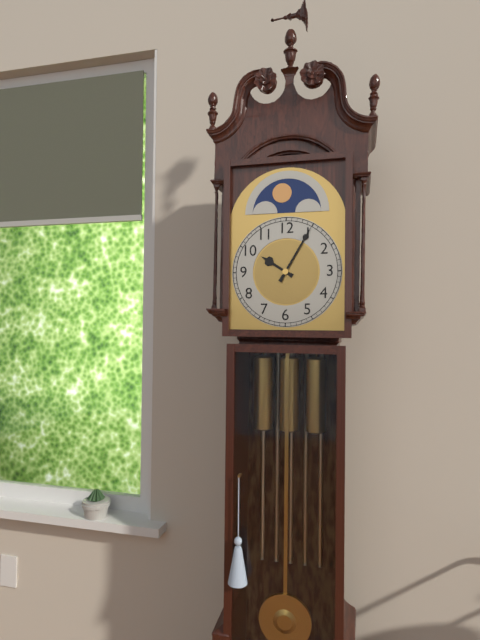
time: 10:05
